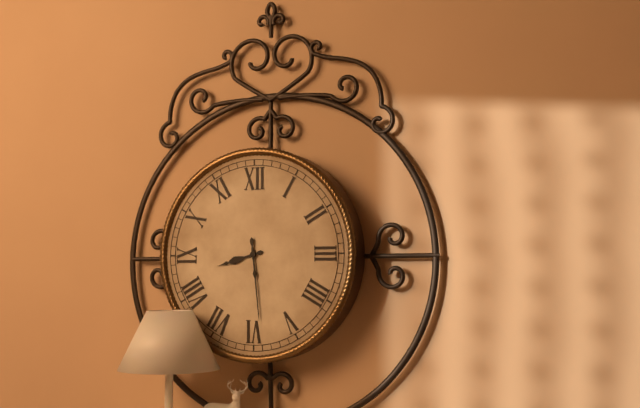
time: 8:29
